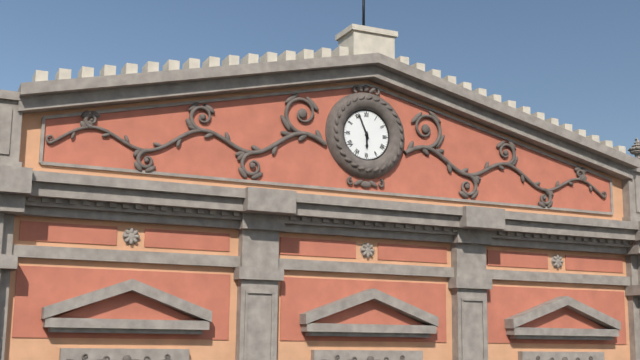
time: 5:56
